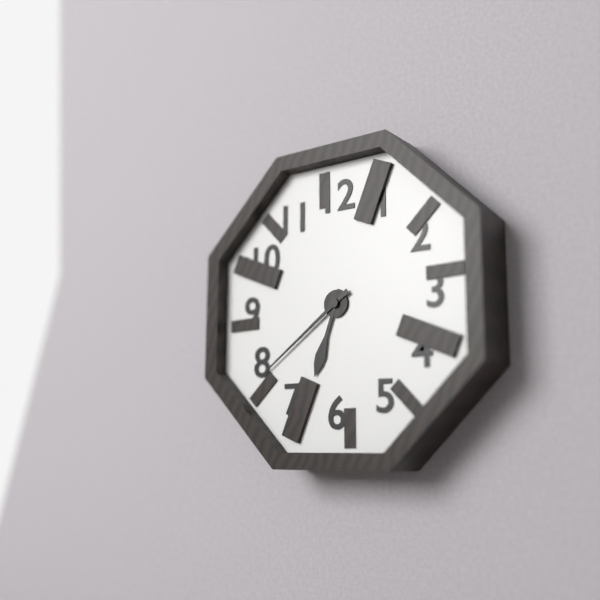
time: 6:39
